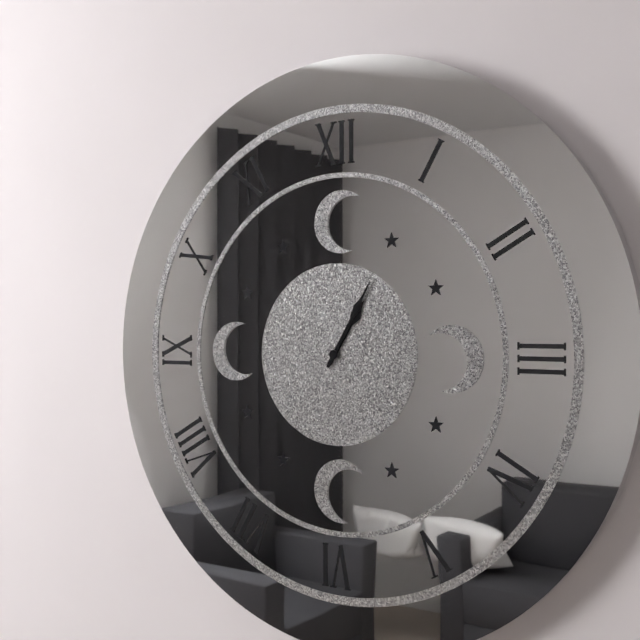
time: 1:05
